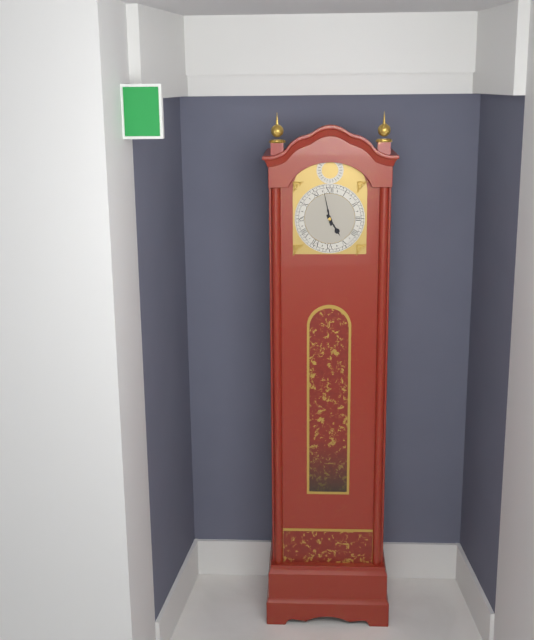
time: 4:58
